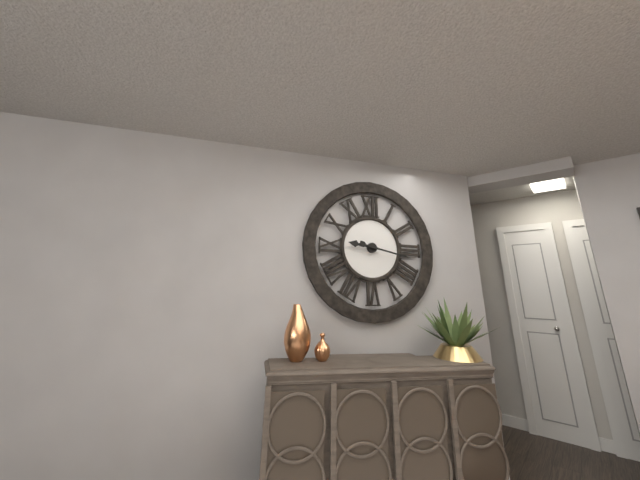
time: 9:17
